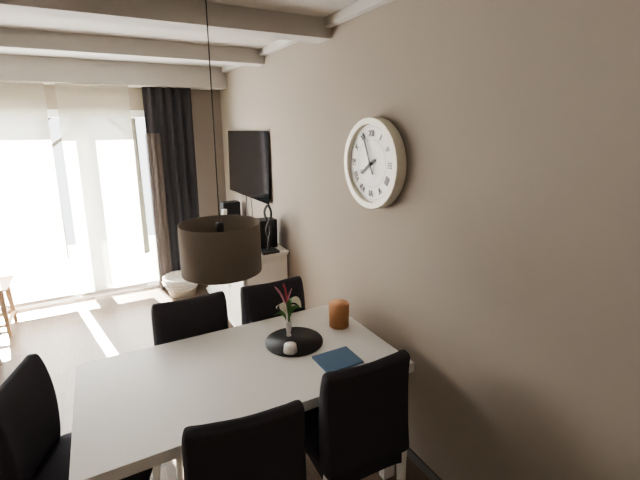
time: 7:56
